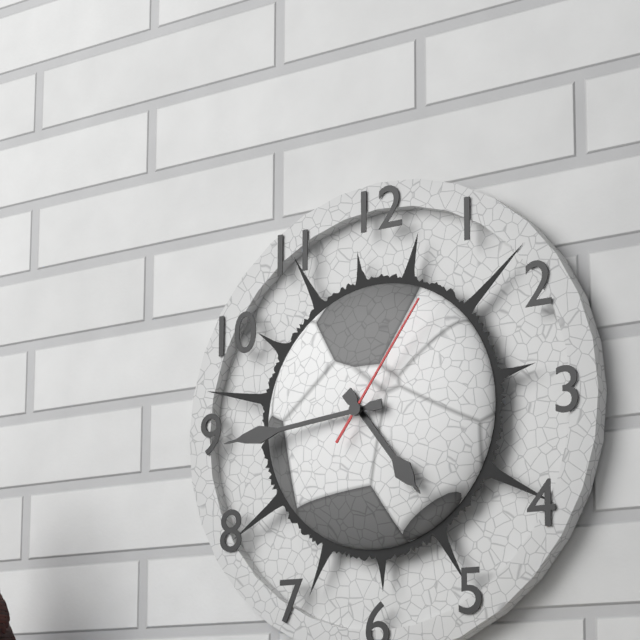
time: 4:44:06
